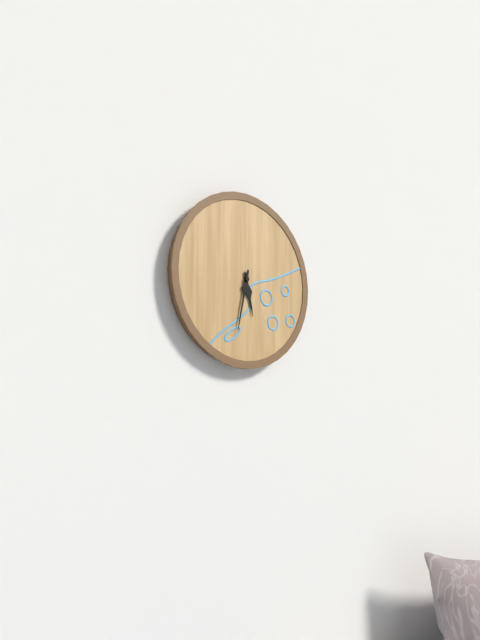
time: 5:32
